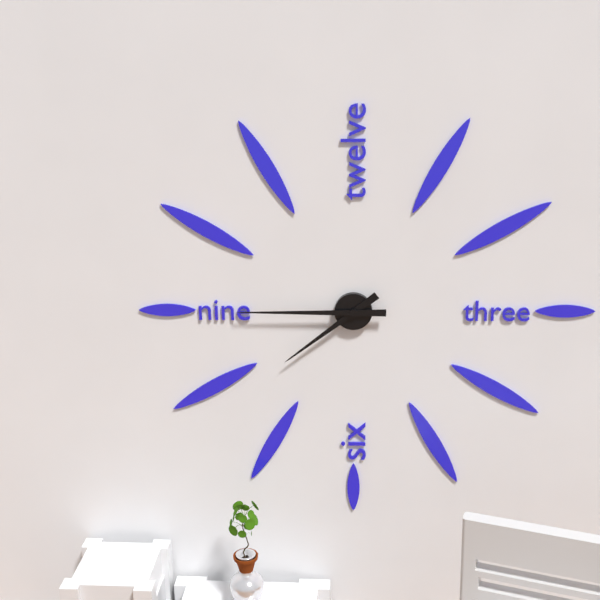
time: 7:45
